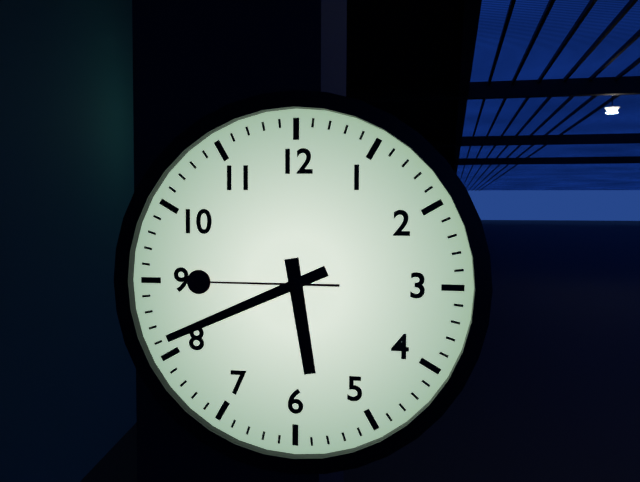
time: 5:41:45
